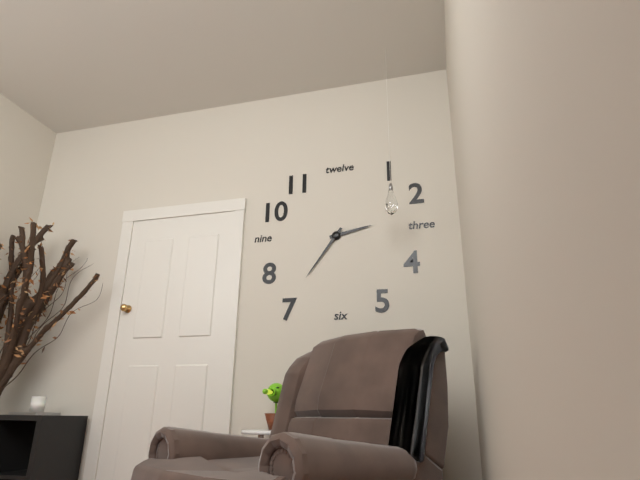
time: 2:36
